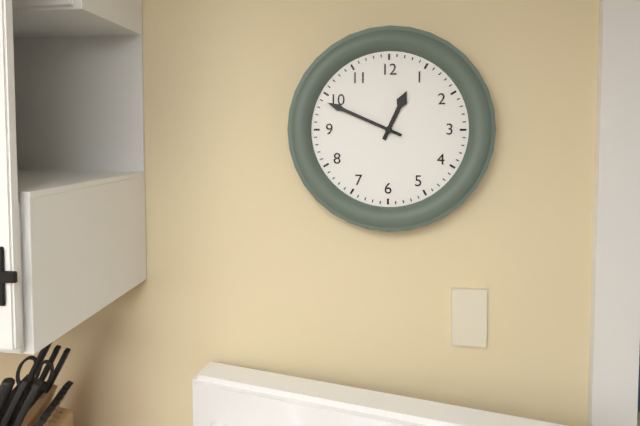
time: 12:49
